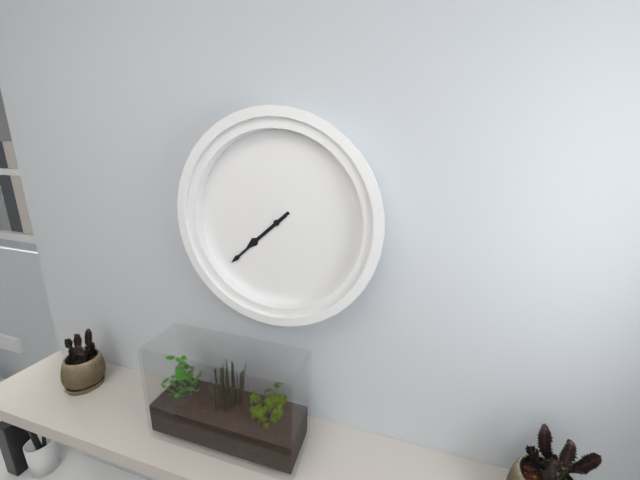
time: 7:38
